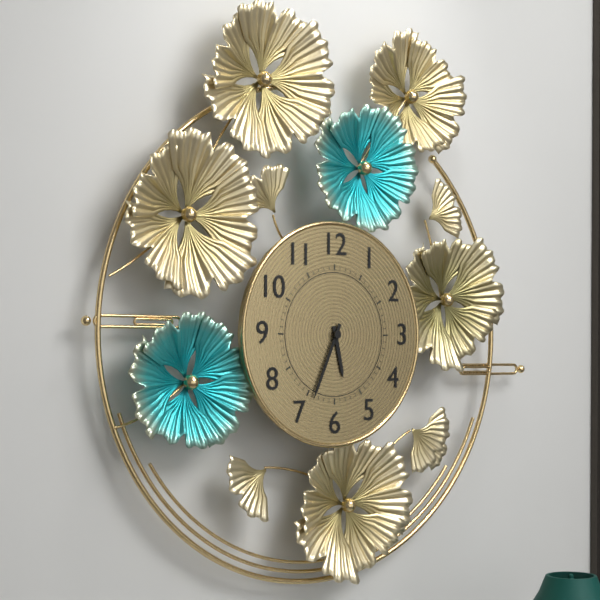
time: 5:34
